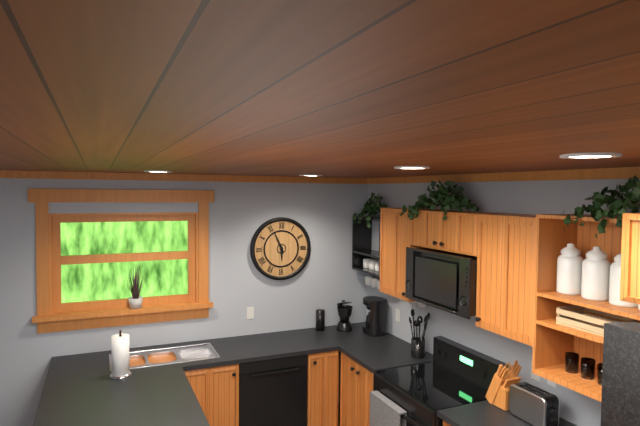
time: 5:56
